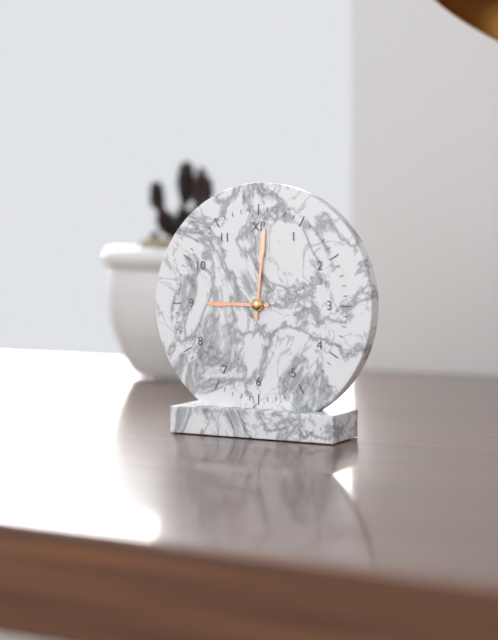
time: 9:01
